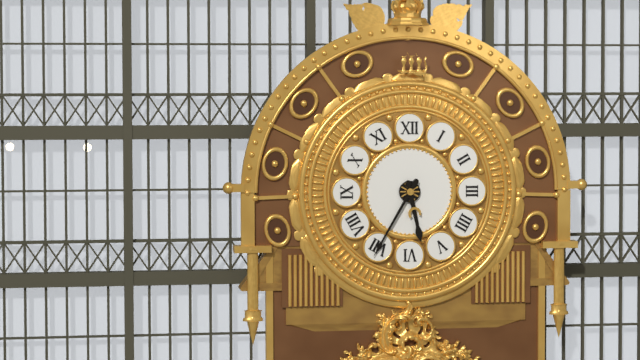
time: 5:35
